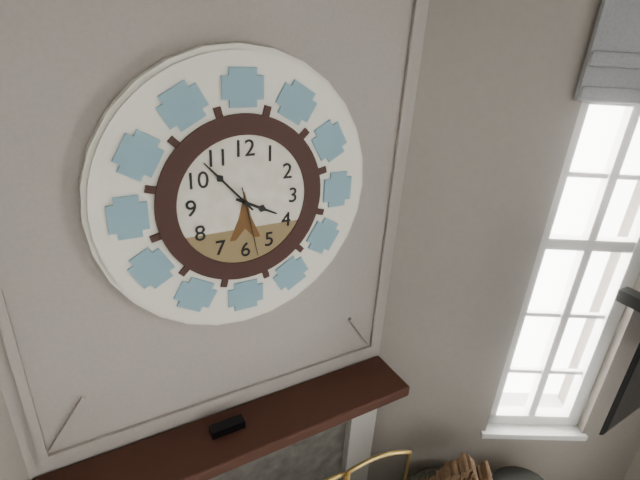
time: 3:53:28
